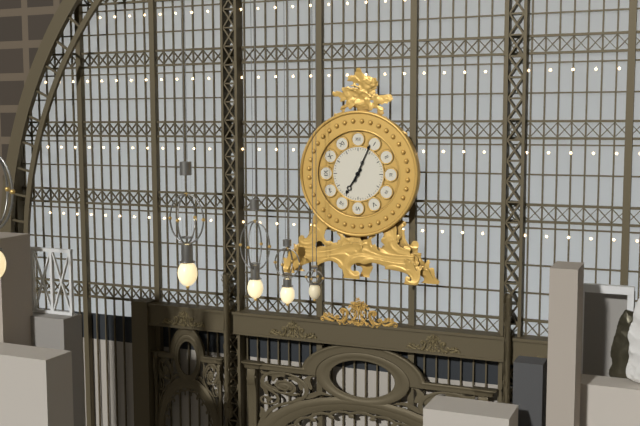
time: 7:04
